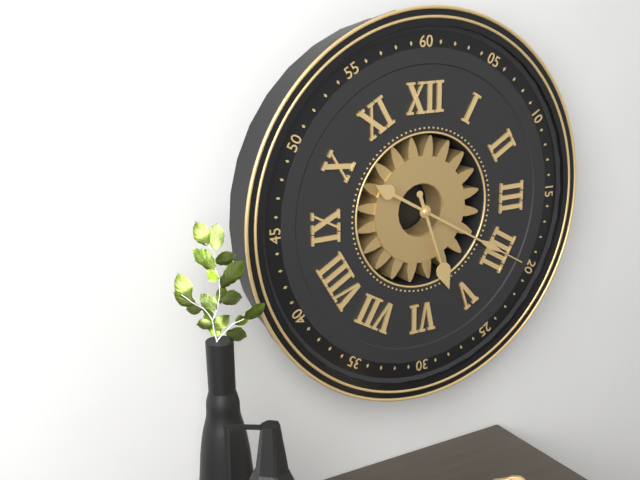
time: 5:20
